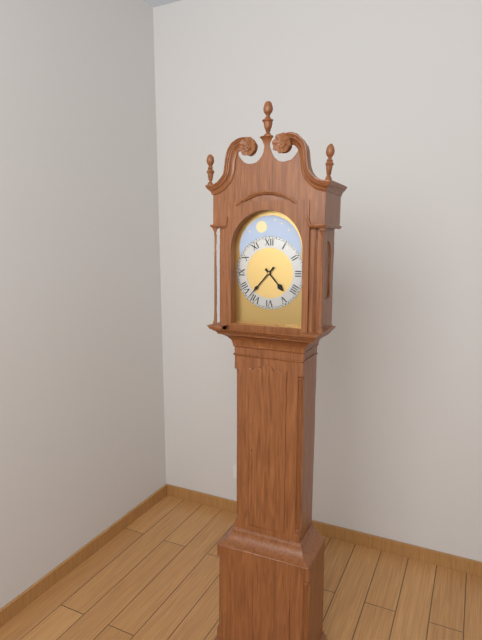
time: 4:37
